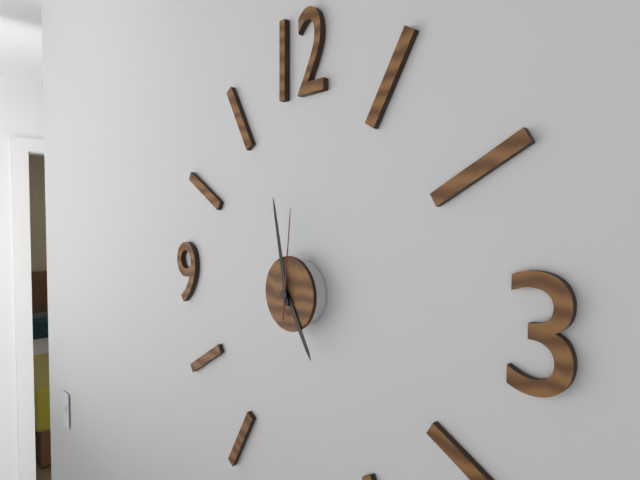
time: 4:58:01
